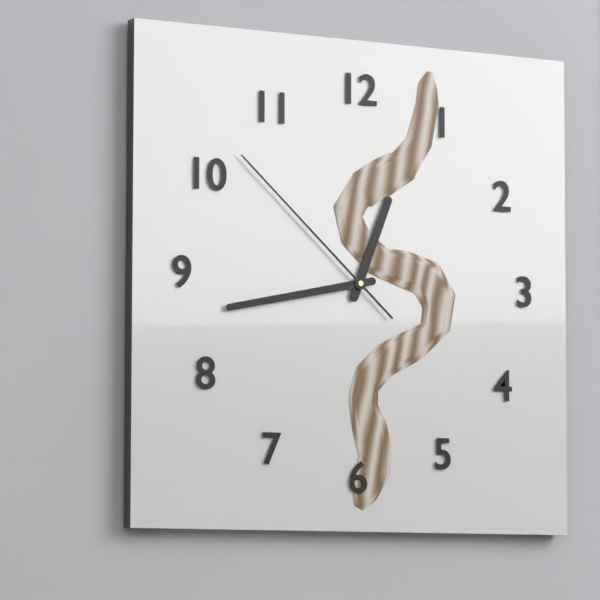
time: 12:43:52
